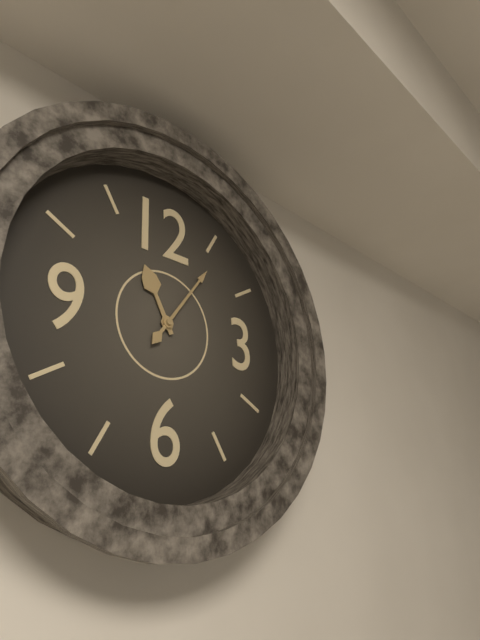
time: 11:06
